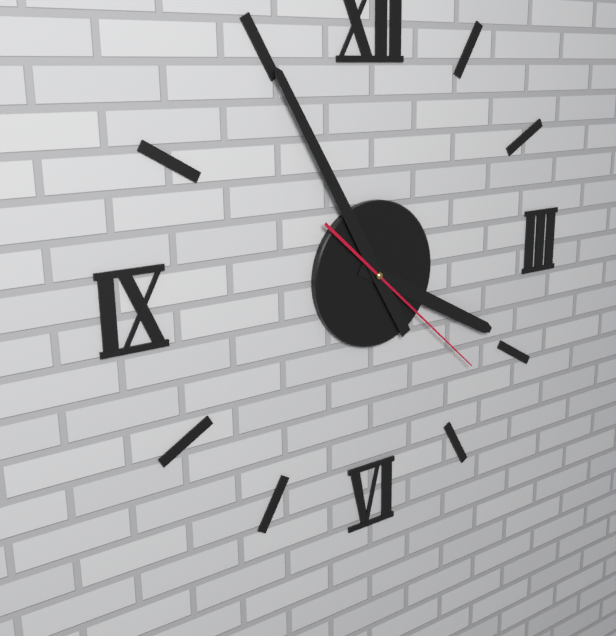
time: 3:55:22
